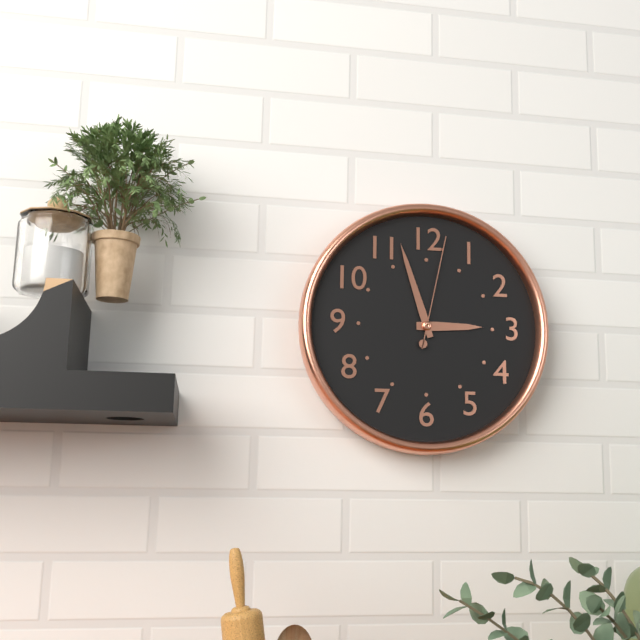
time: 2:57:02
